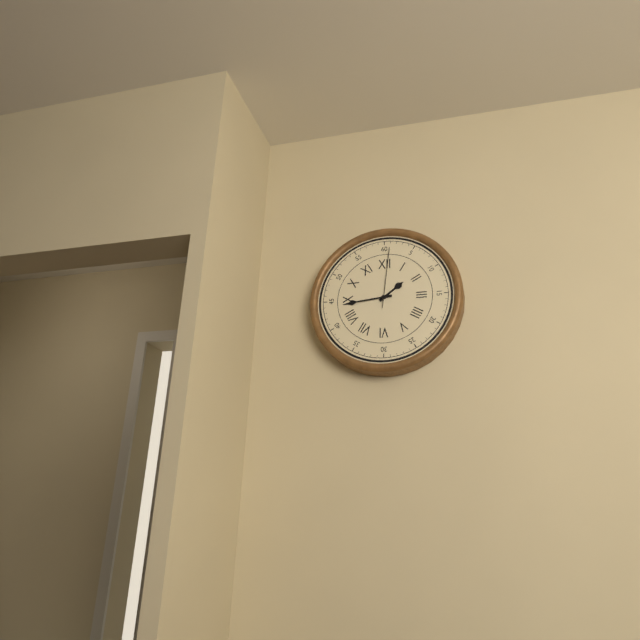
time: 1:44:01
